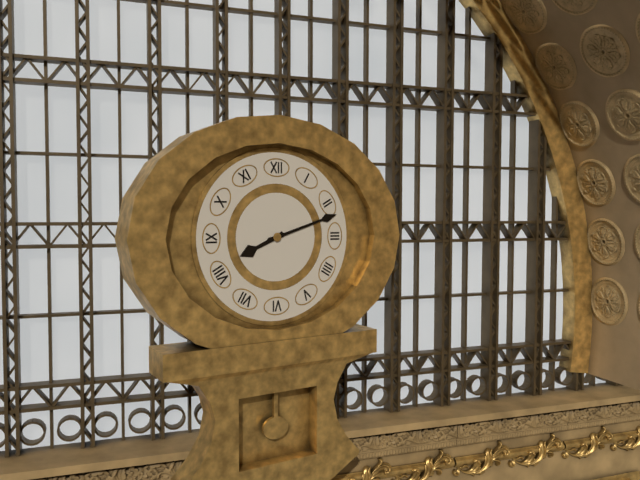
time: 8:12
